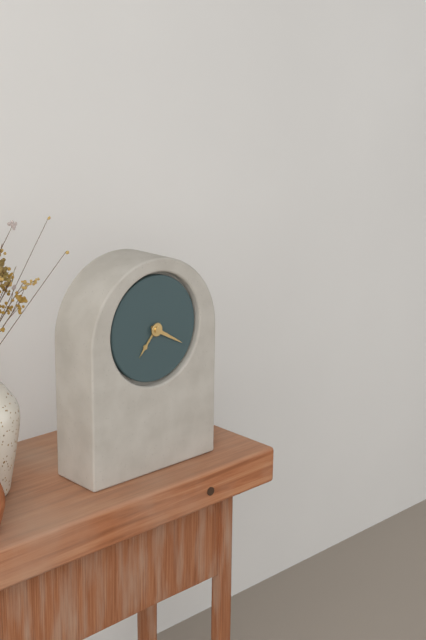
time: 7:20
